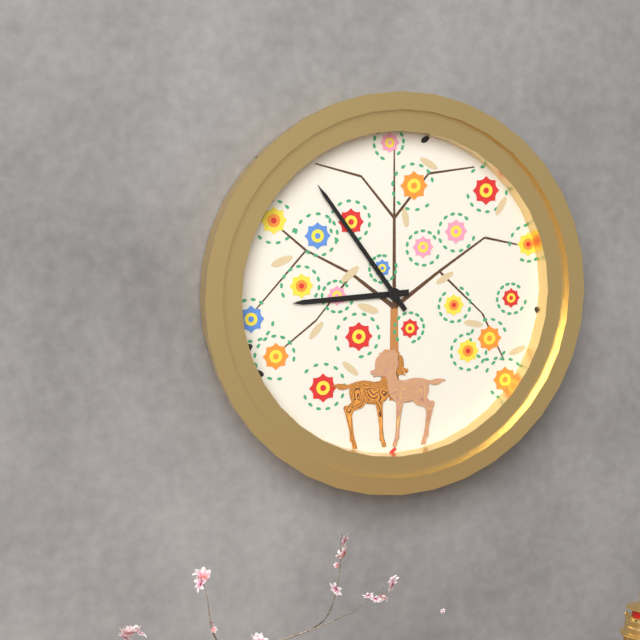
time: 8:54
